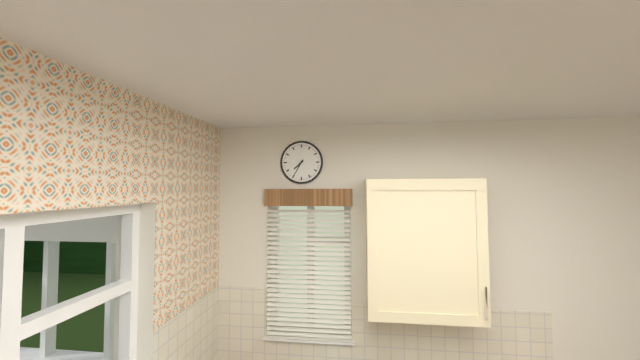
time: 7:35
